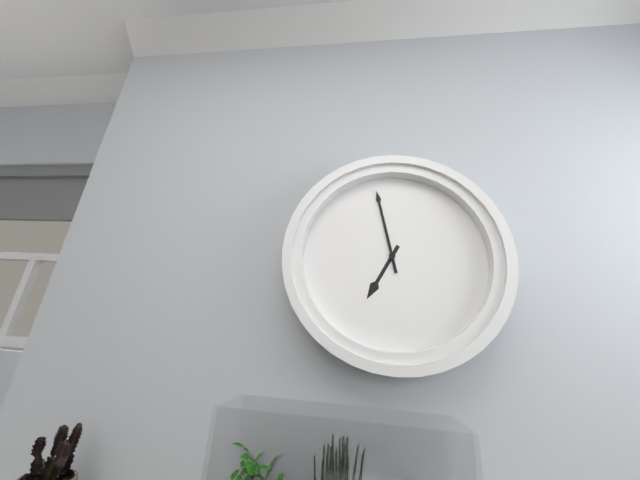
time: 6:58
